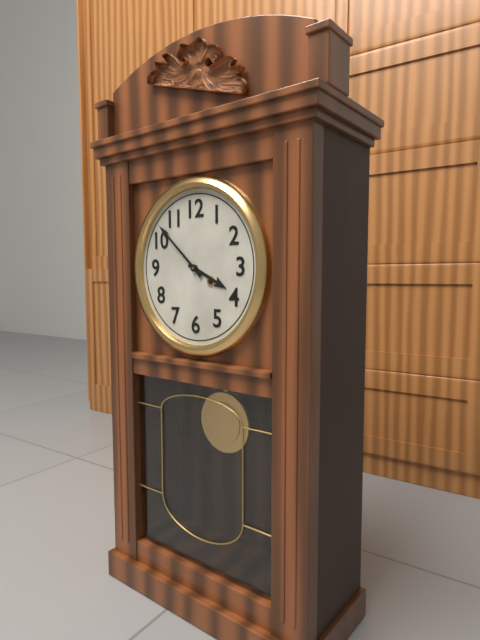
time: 3:52
